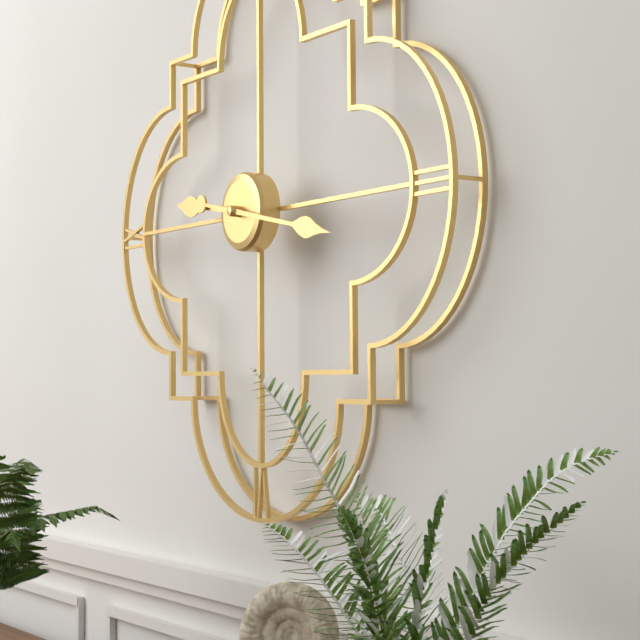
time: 9:17
